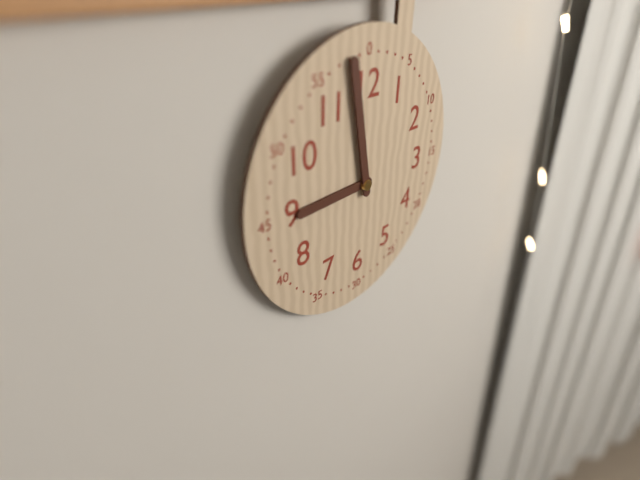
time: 8:58
